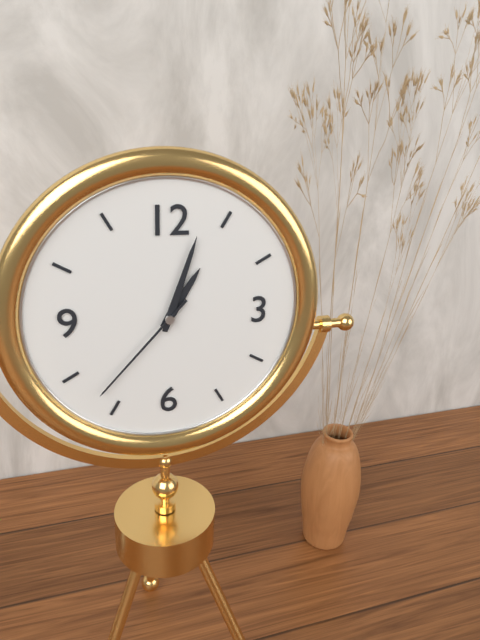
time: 1:03:37
